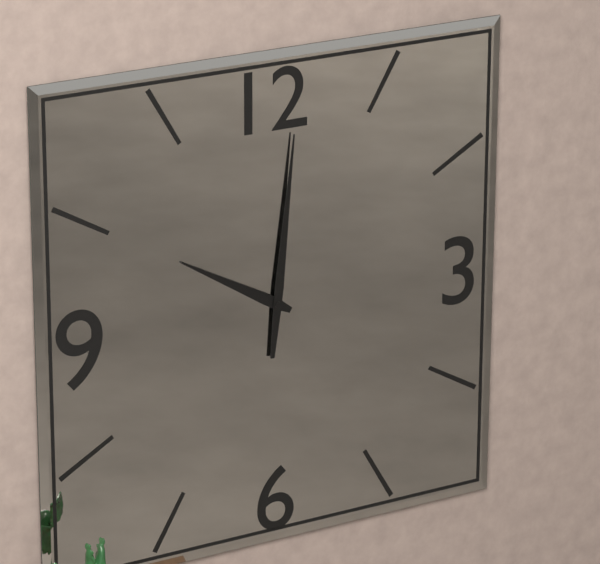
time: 10:01
